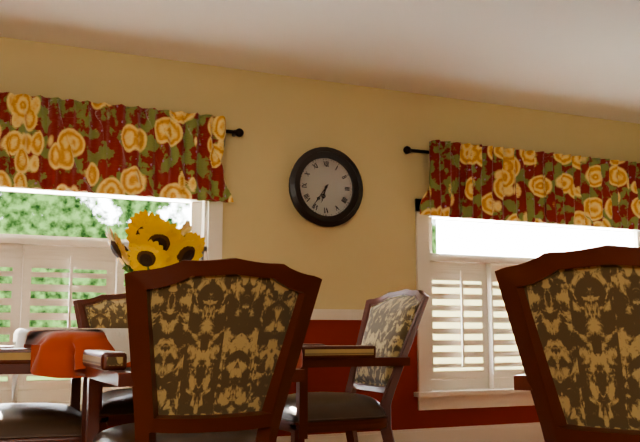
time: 6:36
